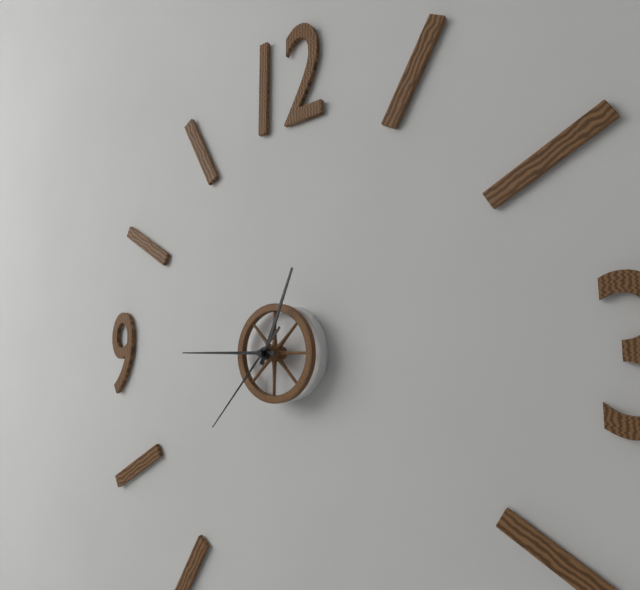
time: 12:45:37
